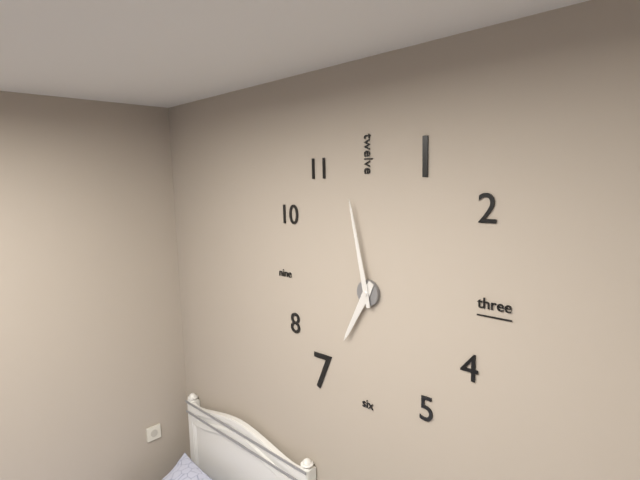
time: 6:58
